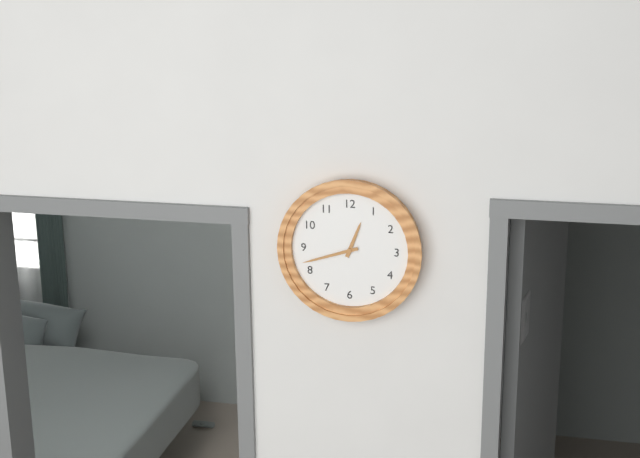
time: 12:42
